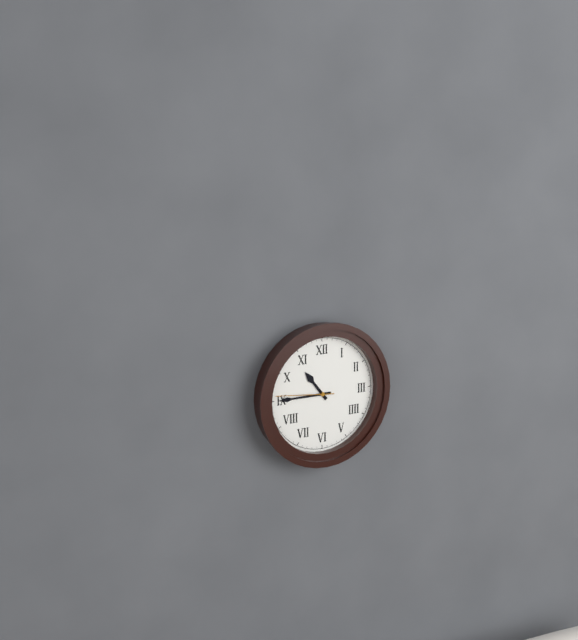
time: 10:45:46
